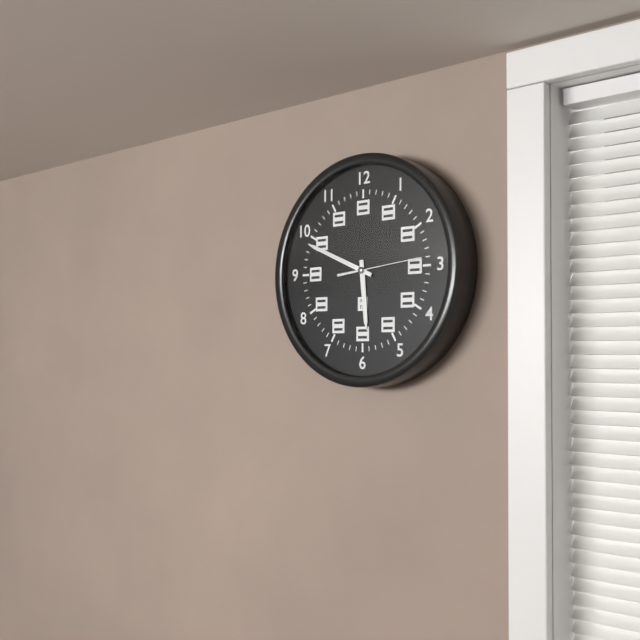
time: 5:49:14
